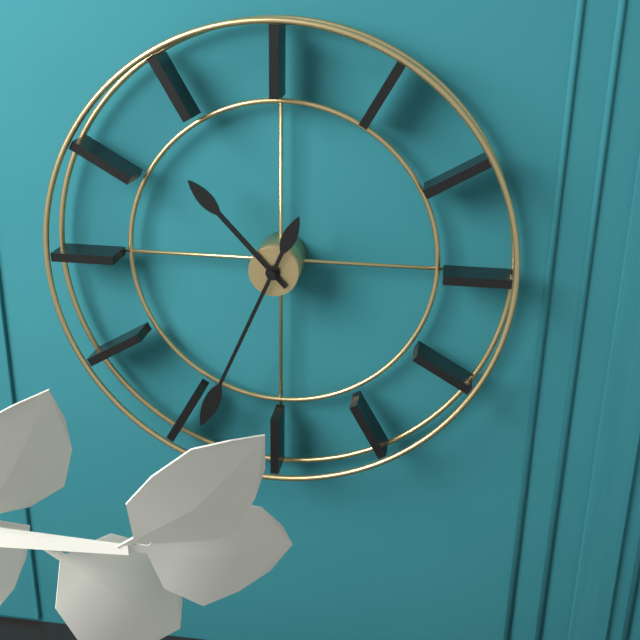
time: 10:34
